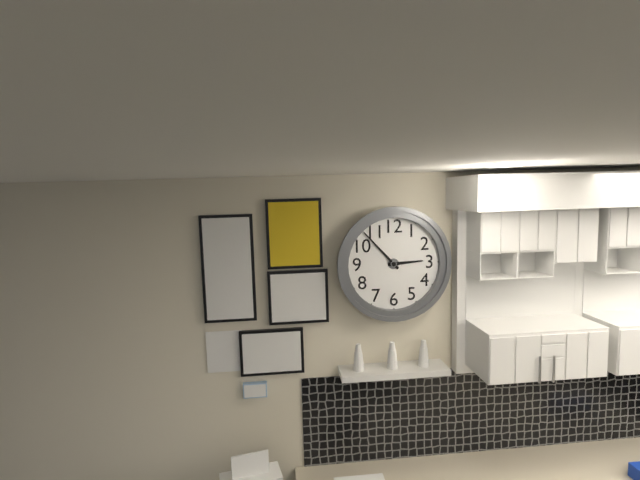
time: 2:53
